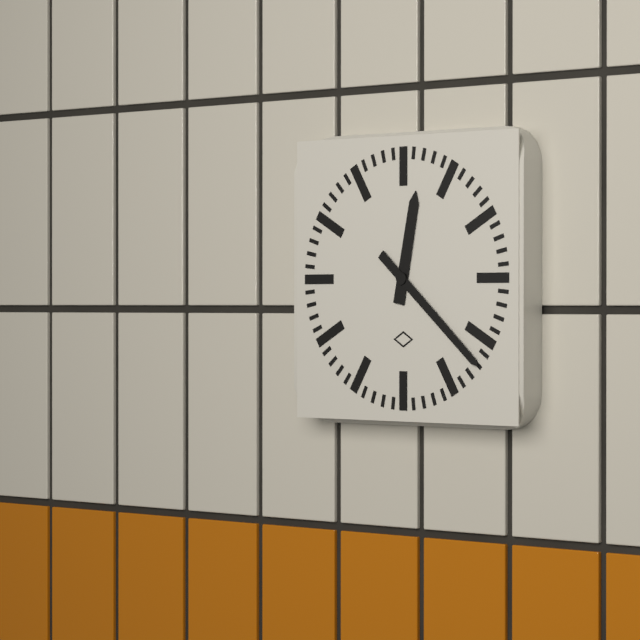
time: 12:22
